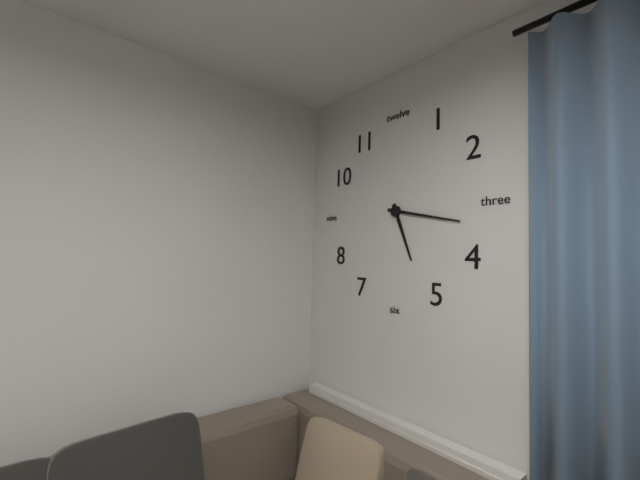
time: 5:17
